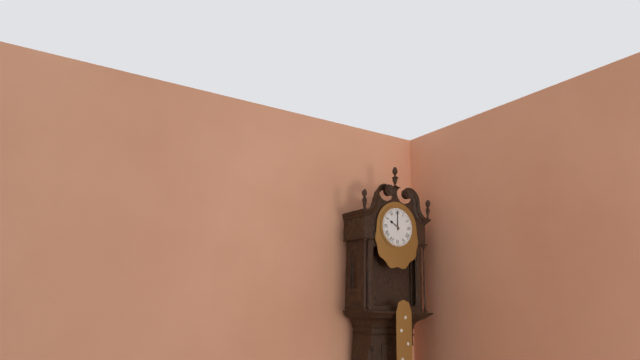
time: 10:00
